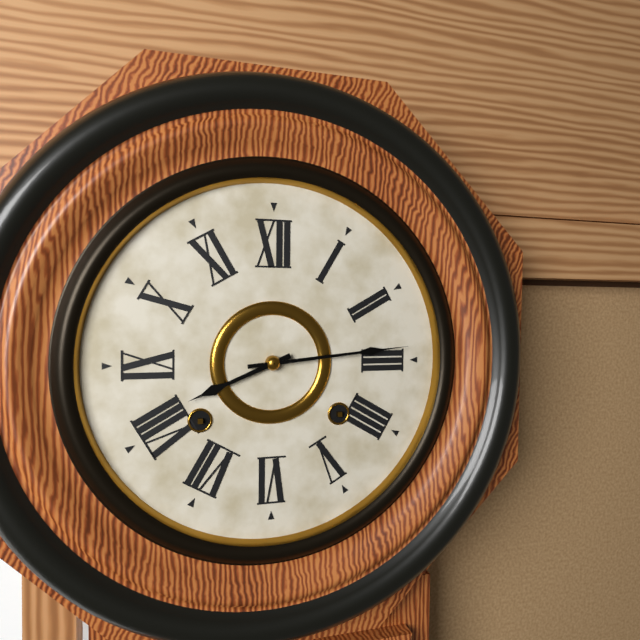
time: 8:14
